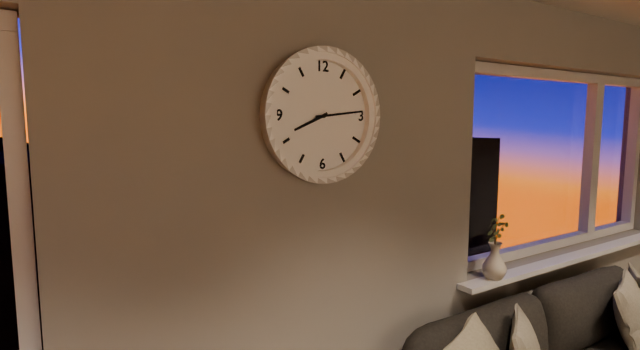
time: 8:14
